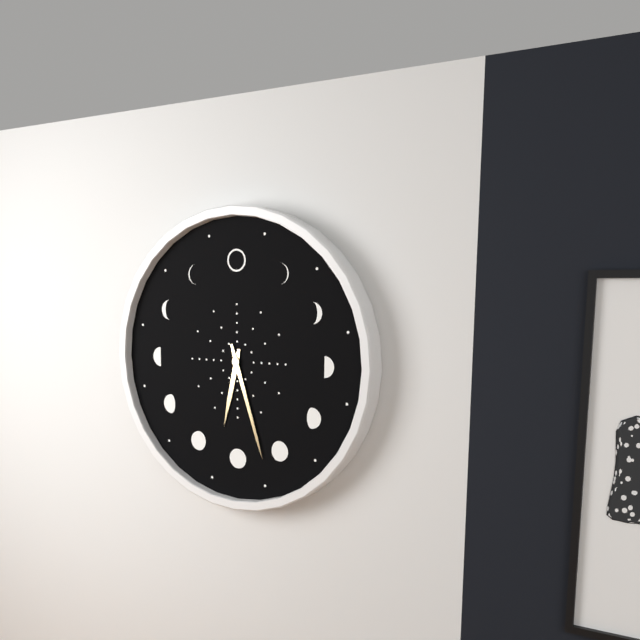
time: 6:27
